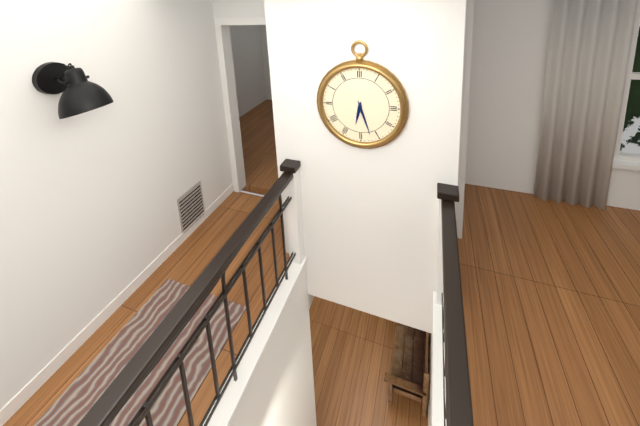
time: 6:27
